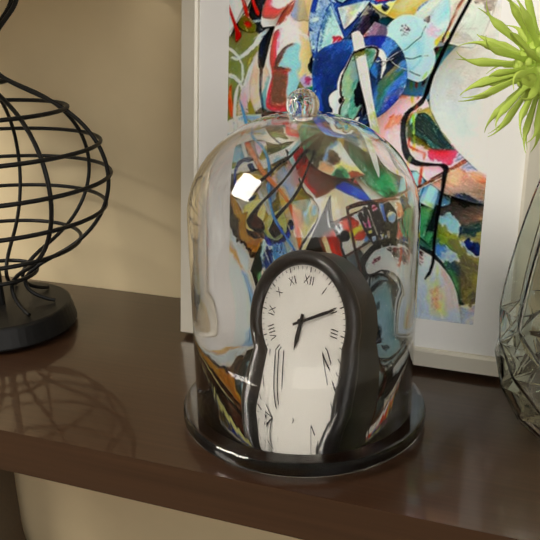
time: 6:10
